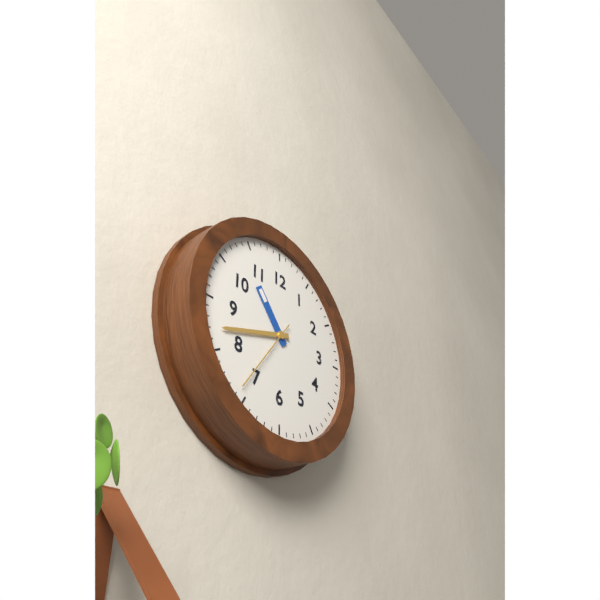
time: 10:42:36
